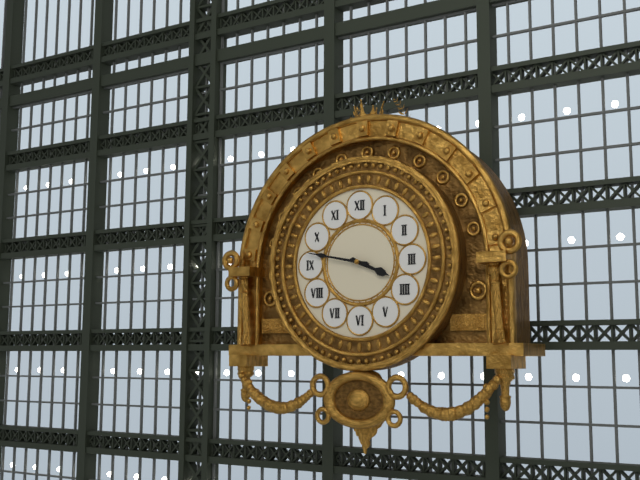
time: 3:47
